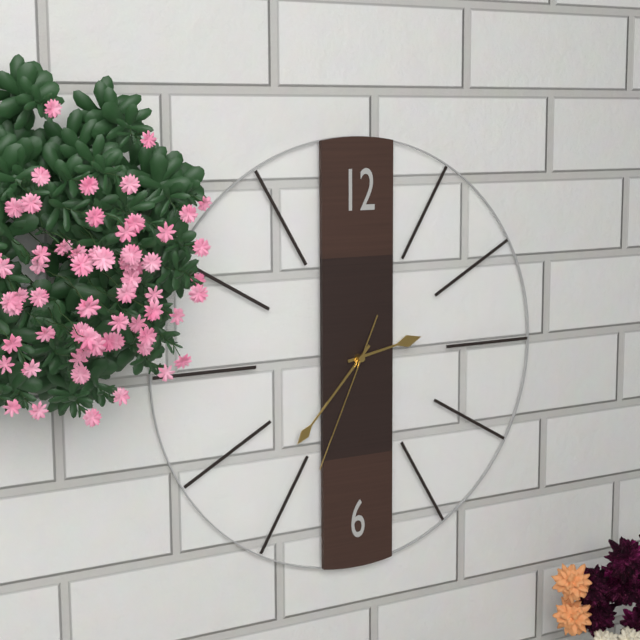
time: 2:37:34
